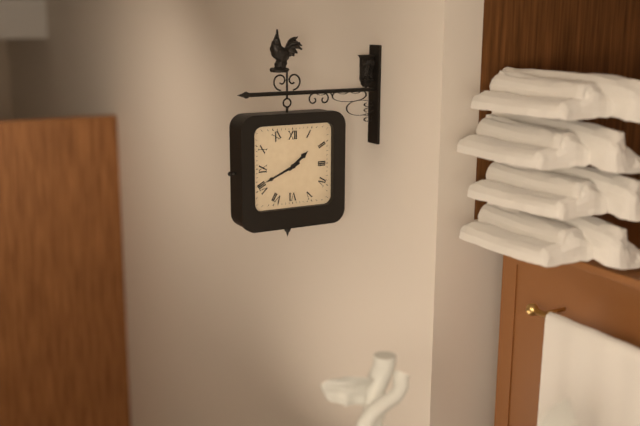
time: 1:41
